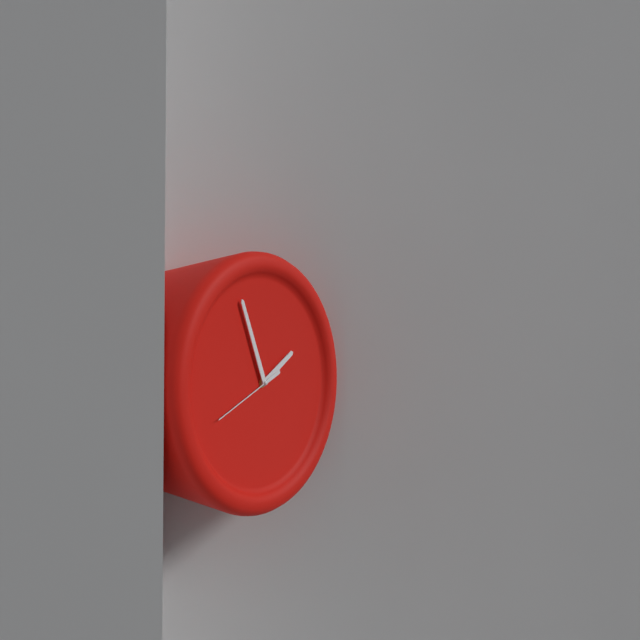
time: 1:56:41
